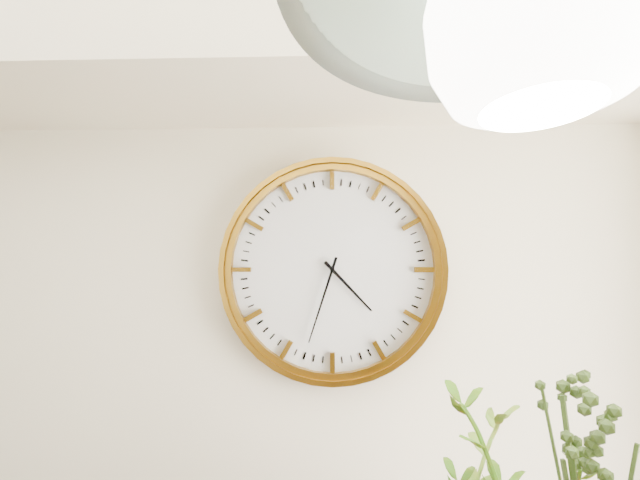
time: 4:33
